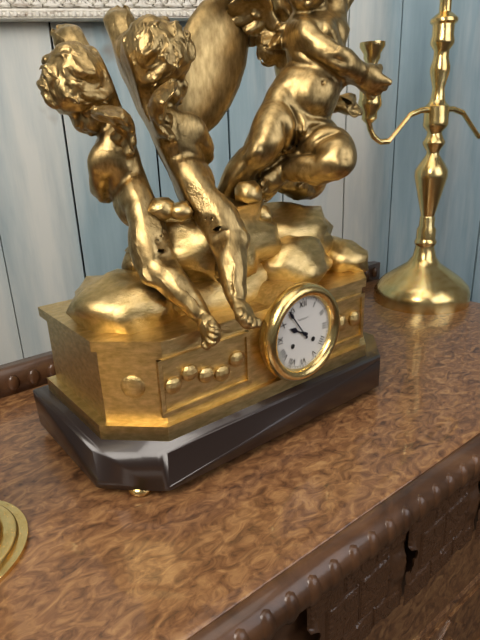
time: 9:54
